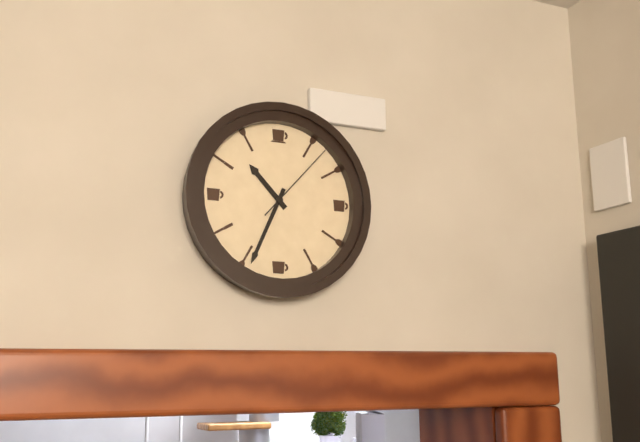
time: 10:34:07
